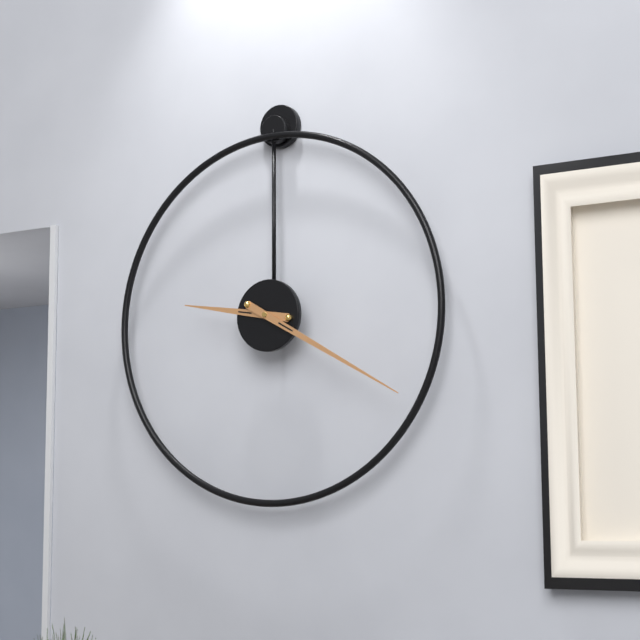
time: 9:20
